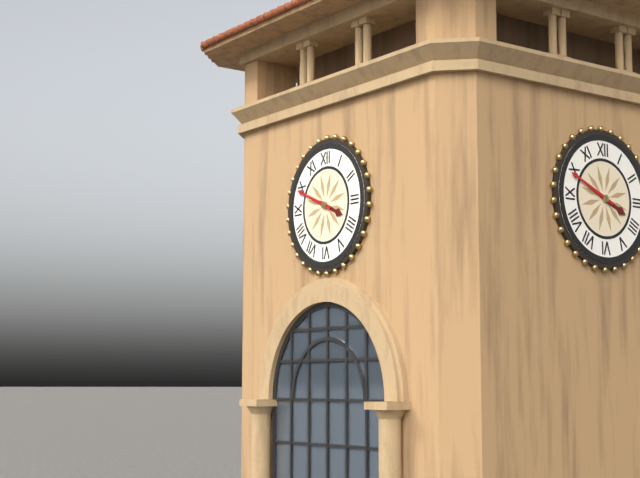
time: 3:49
